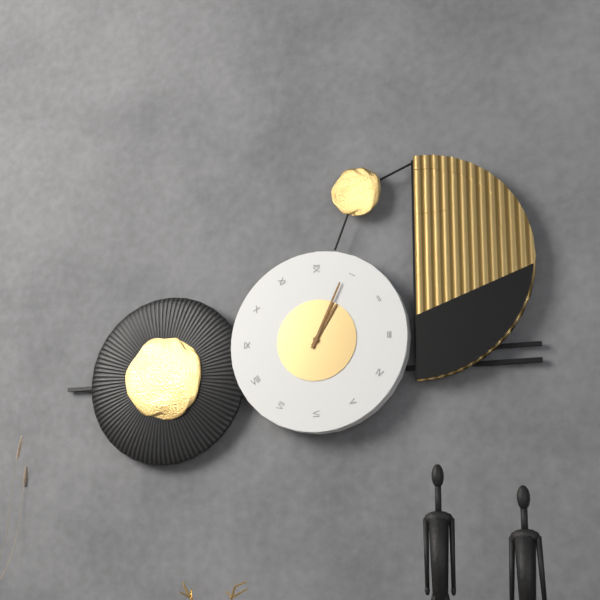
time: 1:04
